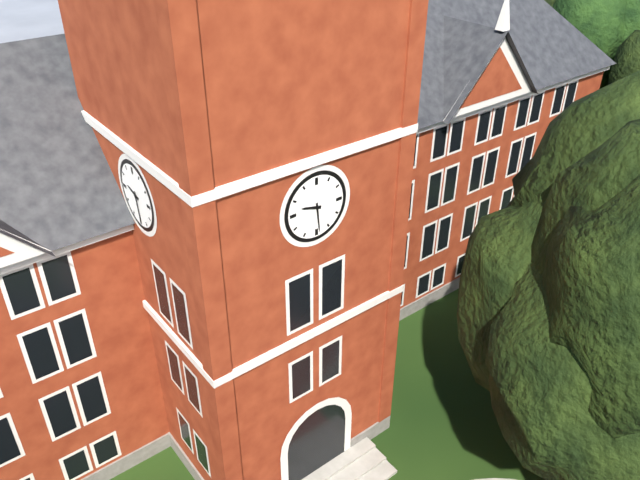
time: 9:29
